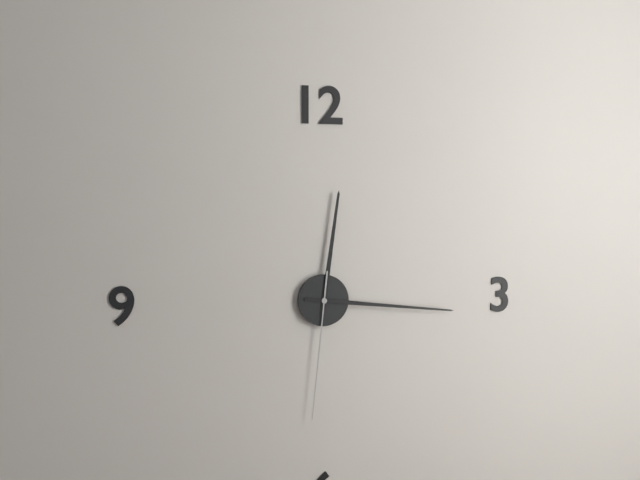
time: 12:16:31
